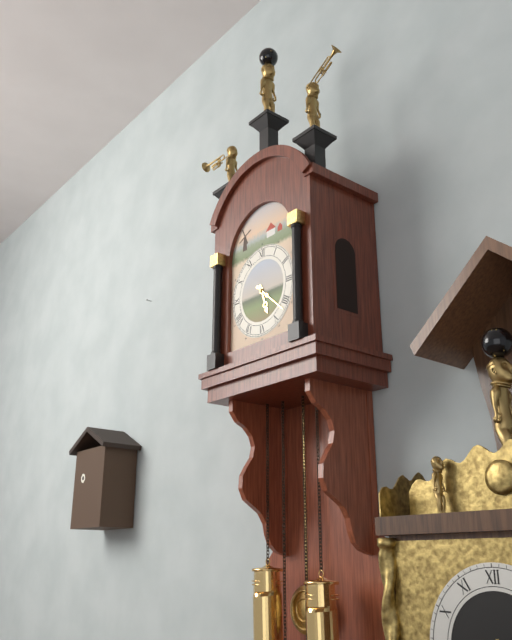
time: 5:22
